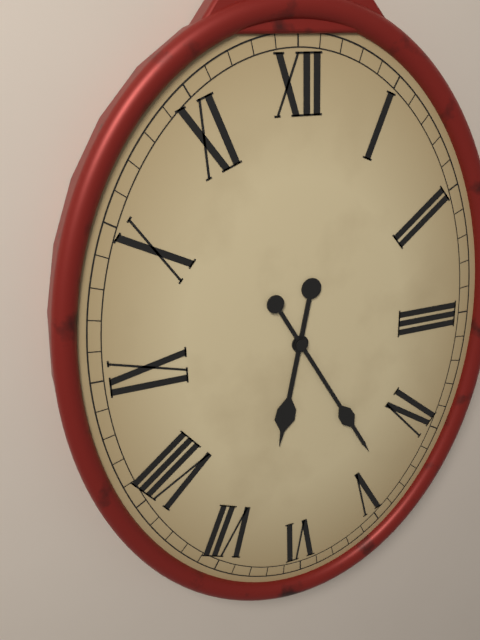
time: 6:25
